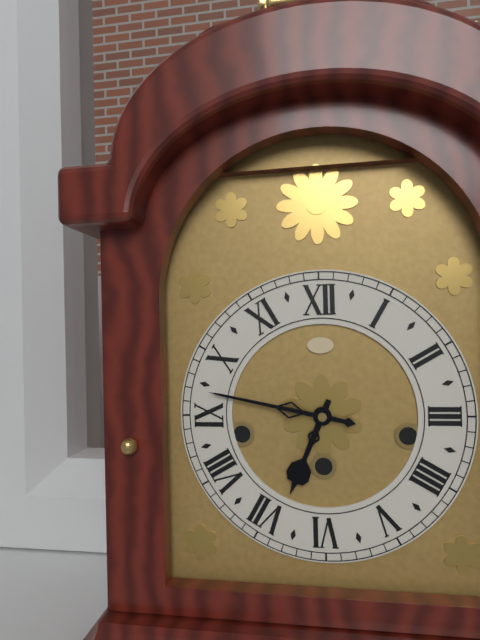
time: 6:47
